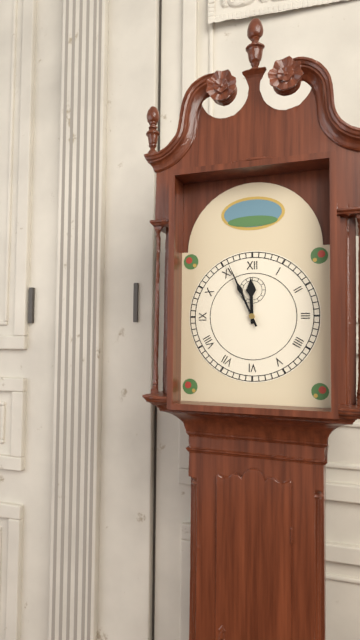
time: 11:56
